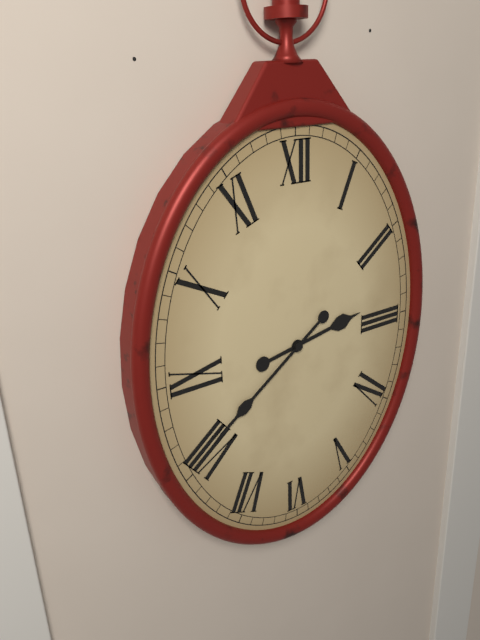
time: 2:39
